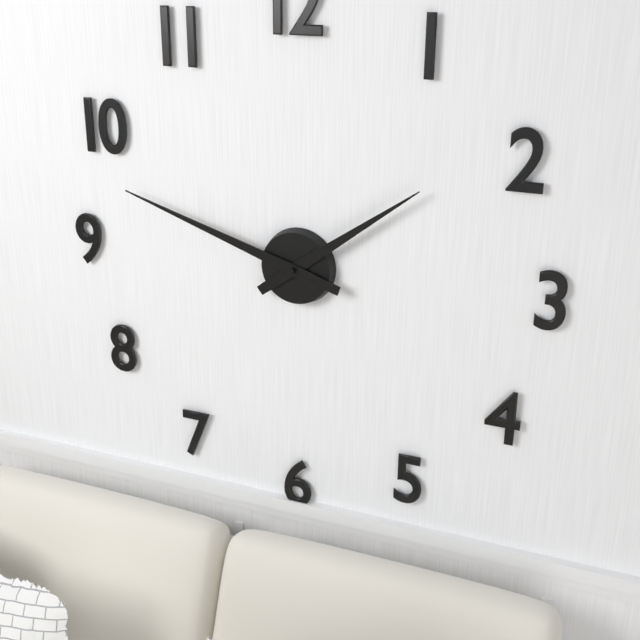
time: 1:48
